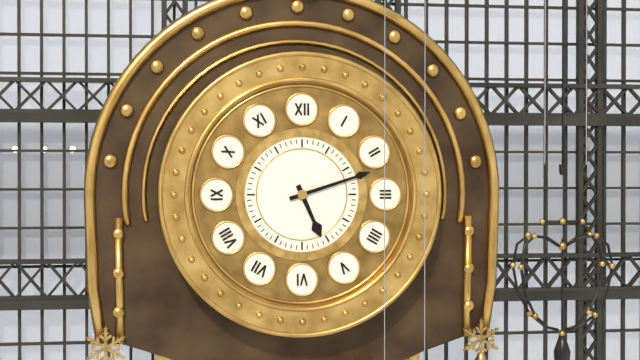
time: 5:12
